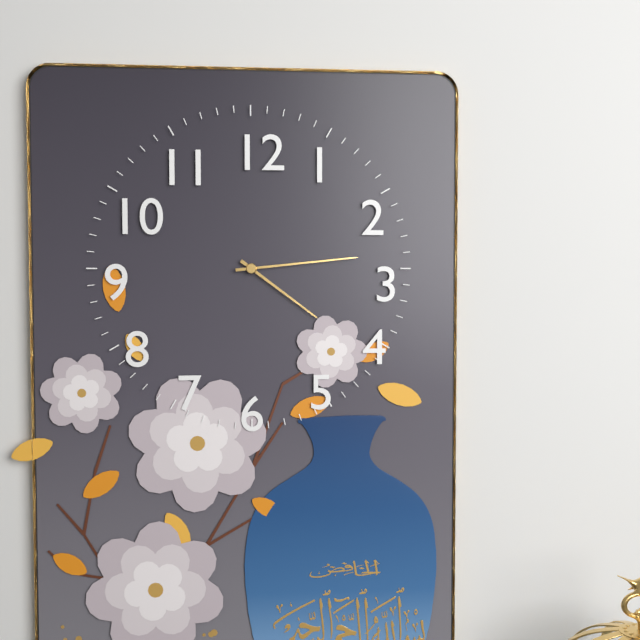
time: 4:14
